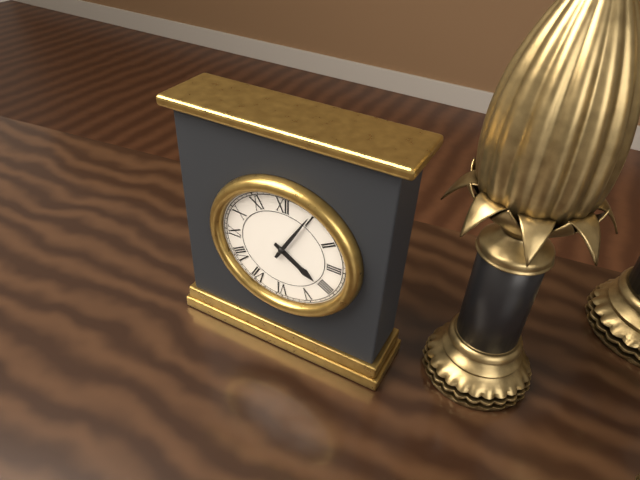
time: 4:05
